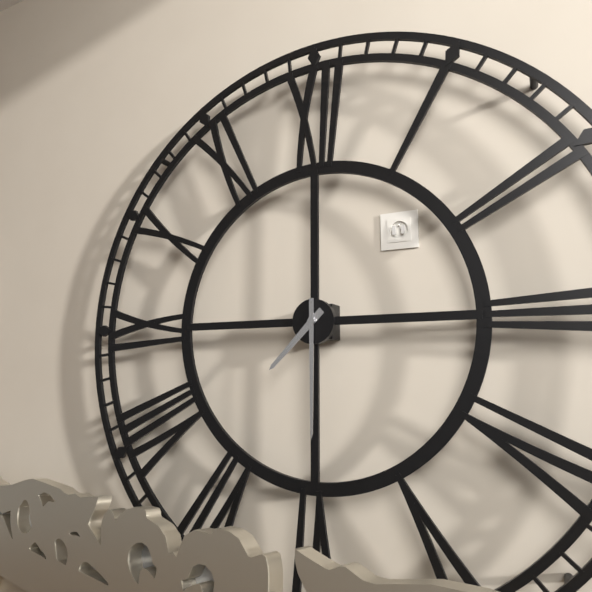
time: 7:30
